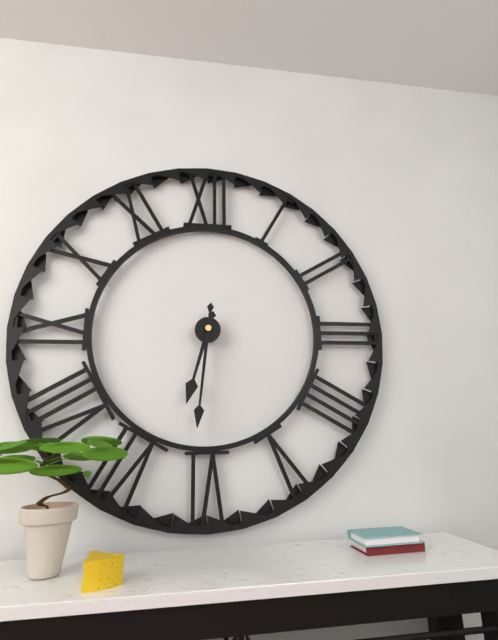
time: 6:31
